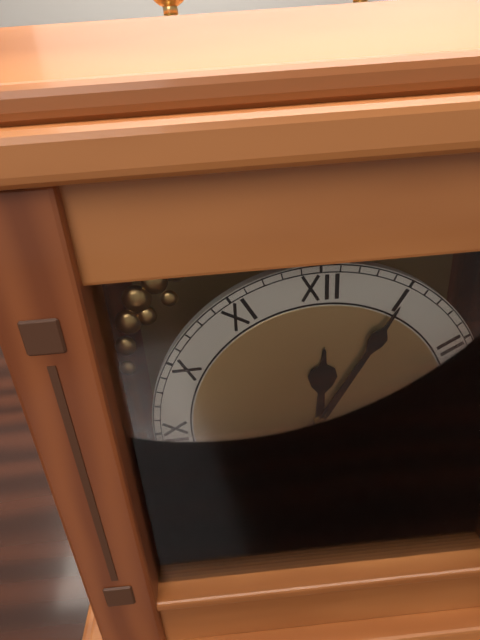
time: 12:05
